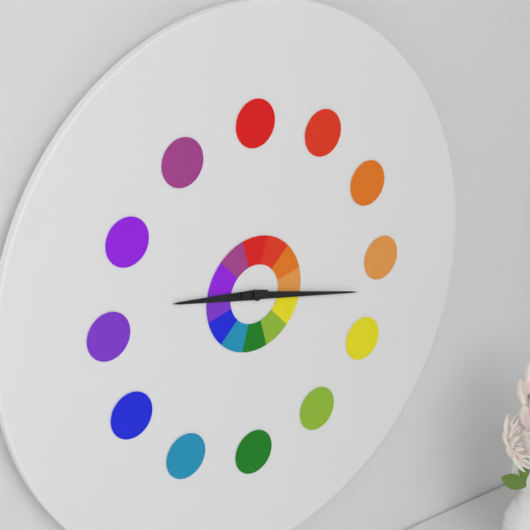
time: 9:17
